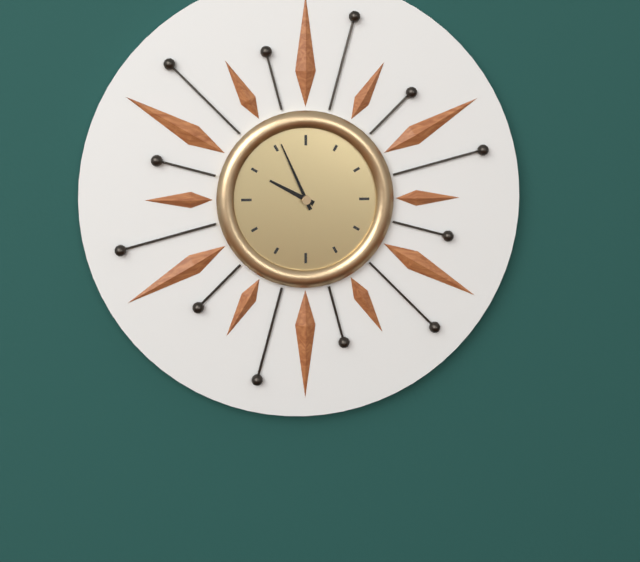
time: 9:56
